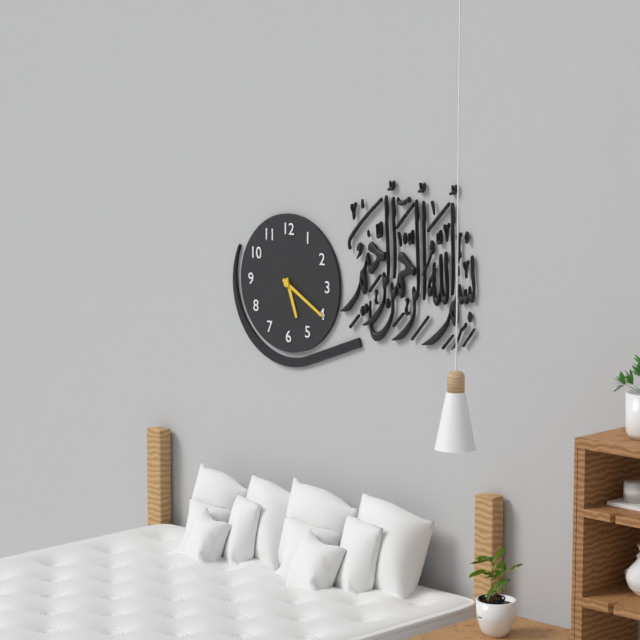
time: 5:20
